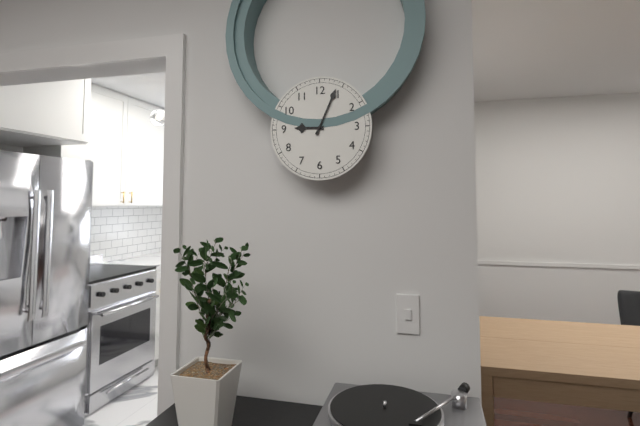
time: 9:04
